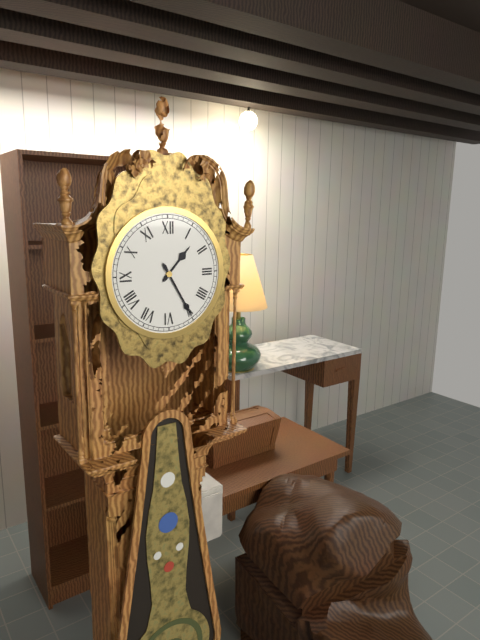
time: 1:25
